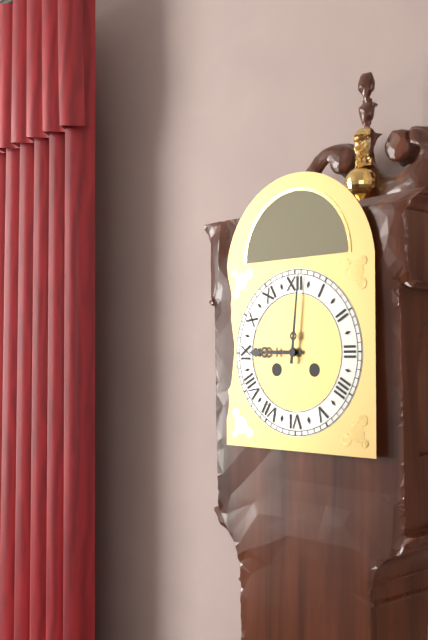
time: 9:01
